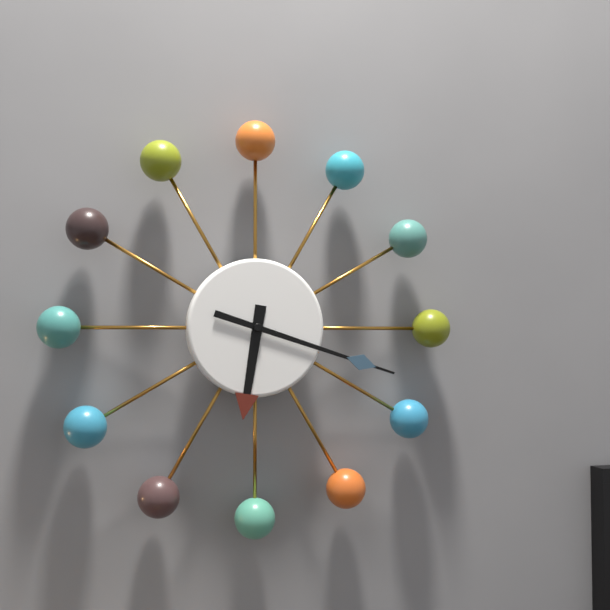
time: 6:18
